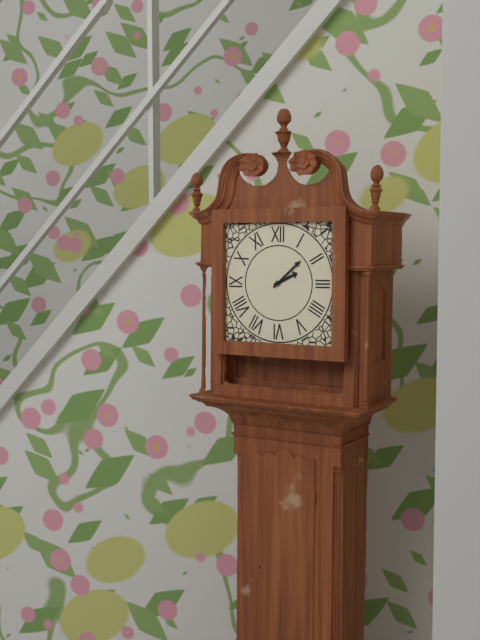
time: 2:08
